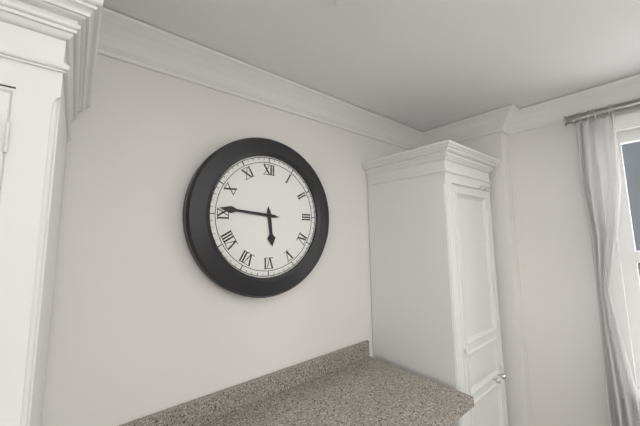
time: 5:46
